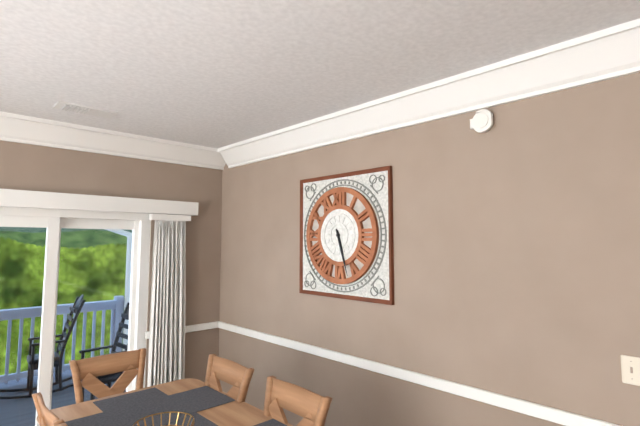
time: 5:27
